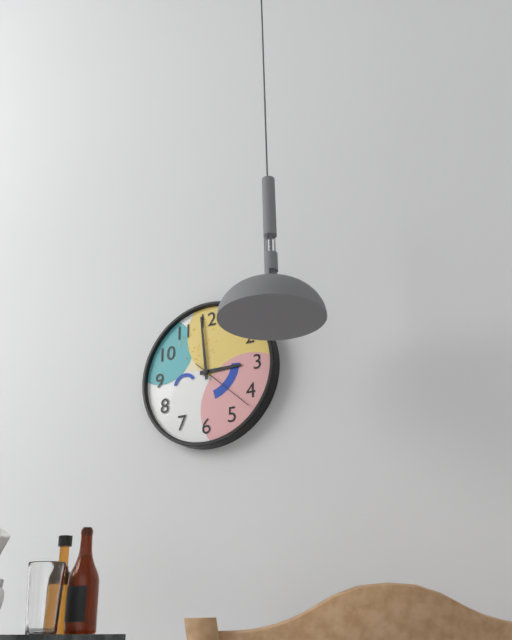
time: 2:59:22
